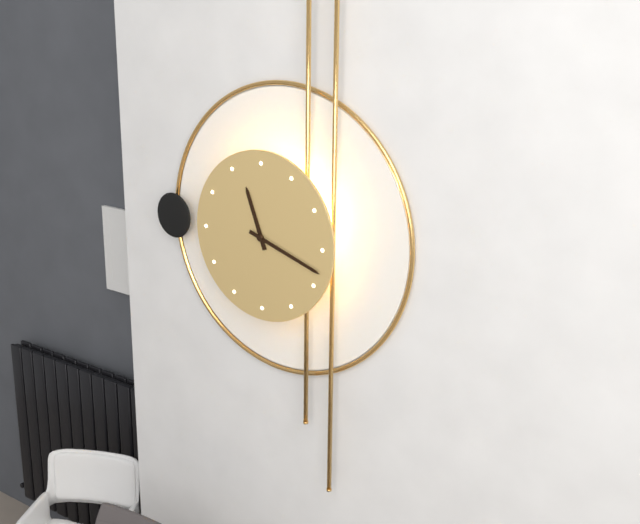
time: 11:18
